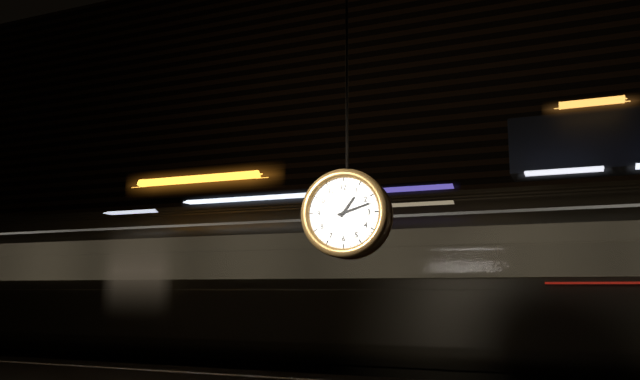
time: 1:12
